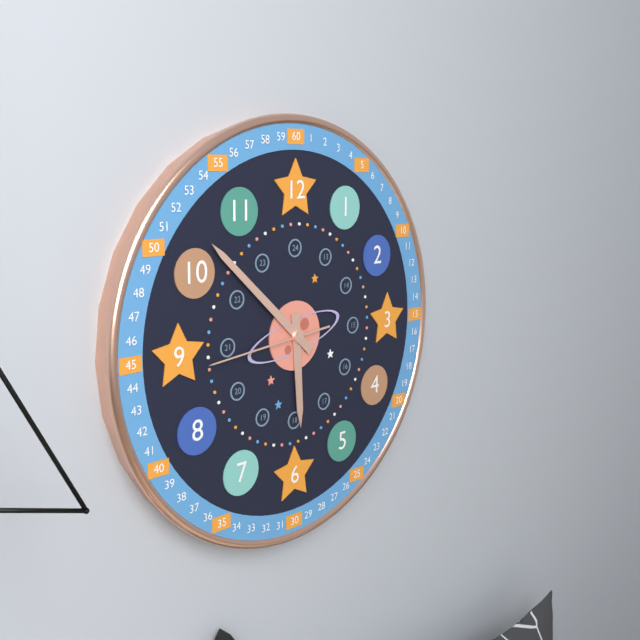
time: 5:52:44
